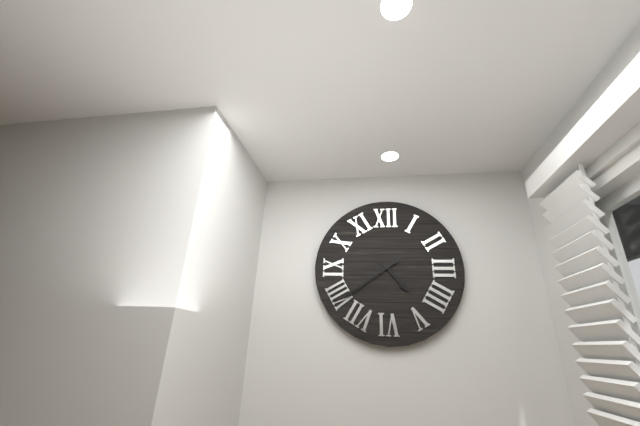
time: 4:39
